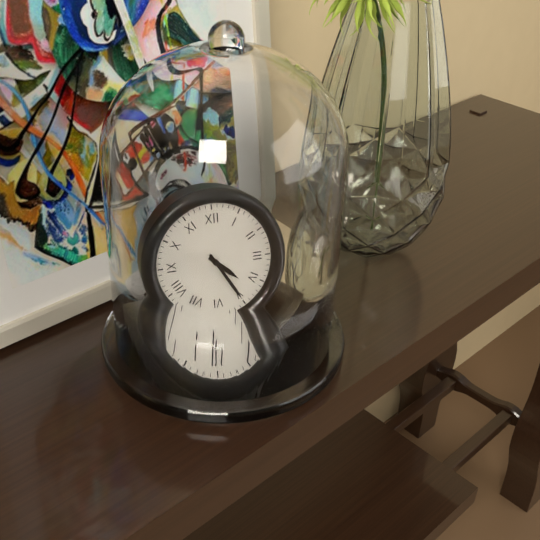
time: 4:25
